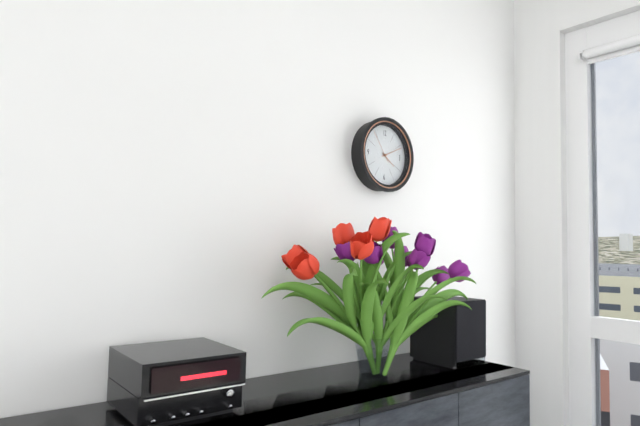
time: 4:11
